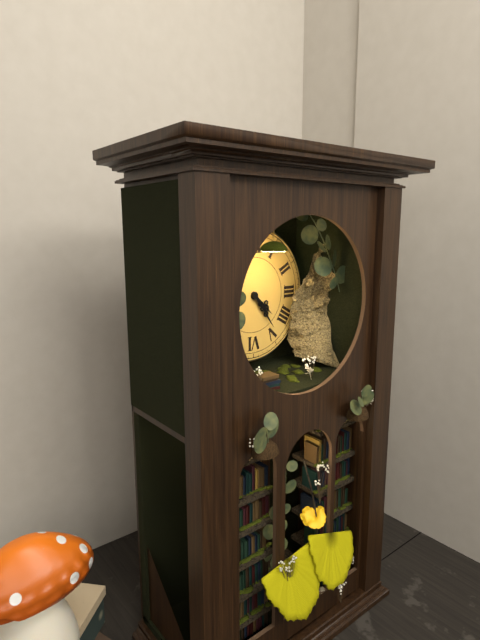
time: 4:24
